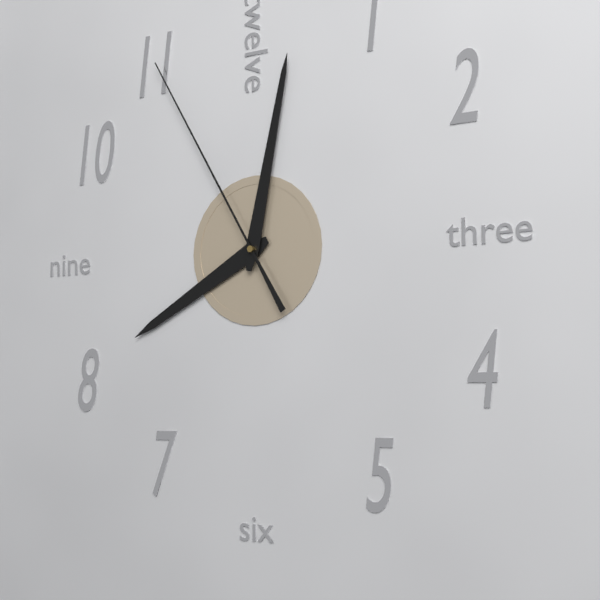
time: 8:02:55
